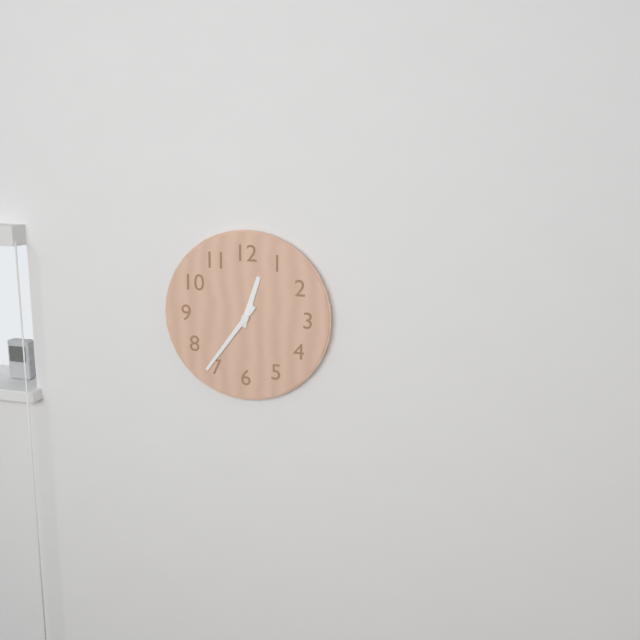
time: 12:36
